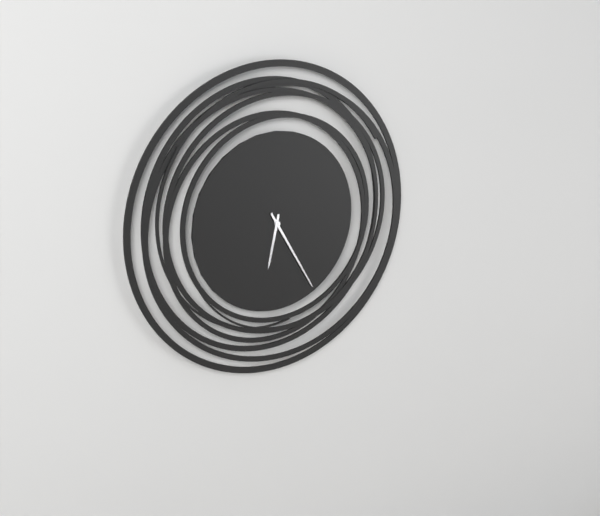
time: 6:25
